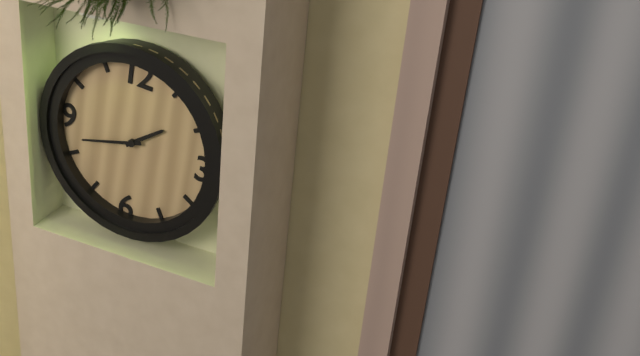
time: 1:42
